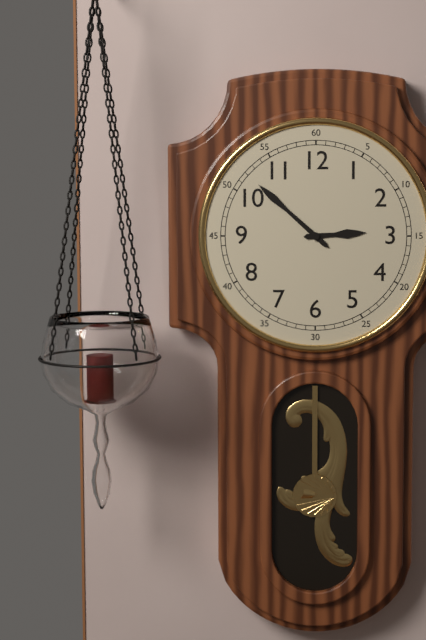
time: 2:52
